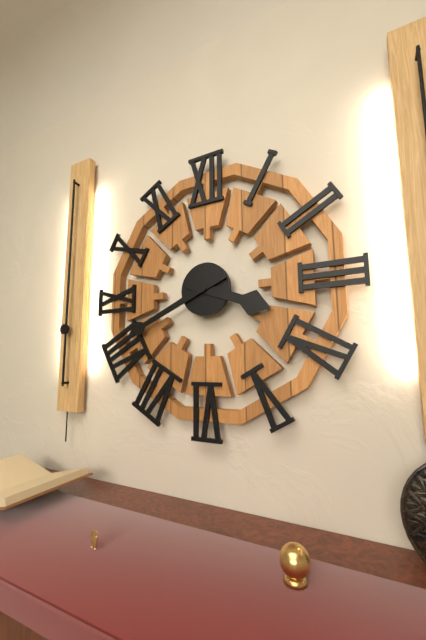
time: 3:41
